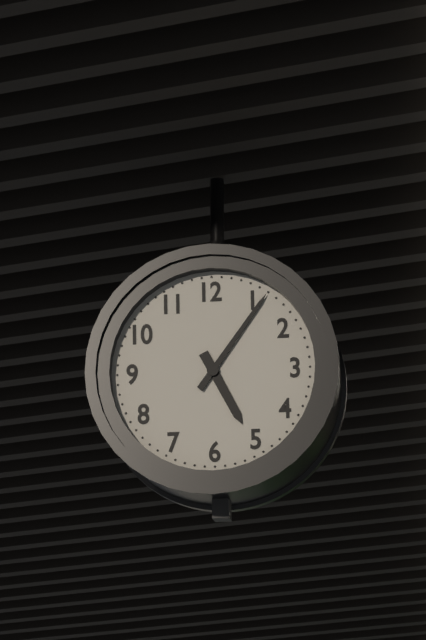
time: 5:06
